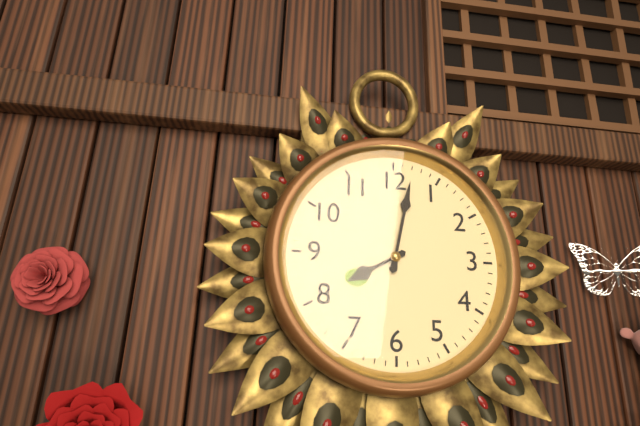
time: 8:02
